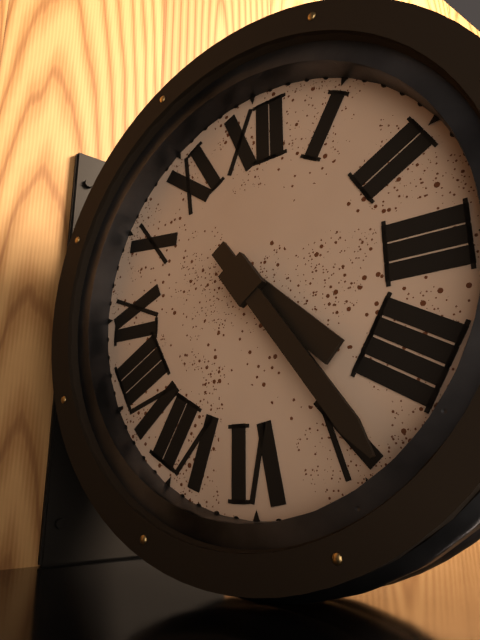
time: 4:24
